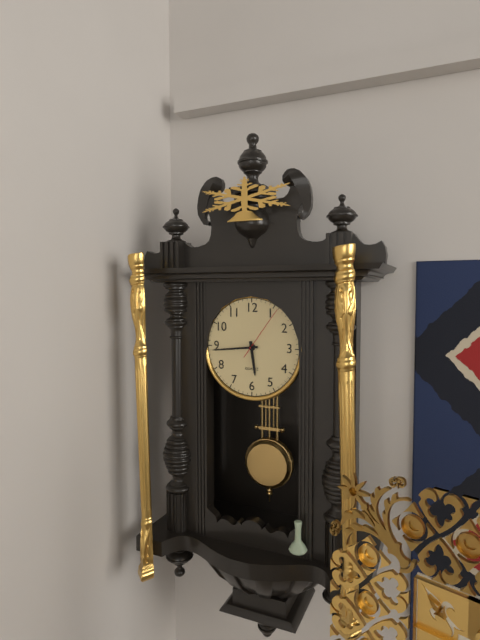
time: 5:44:06
